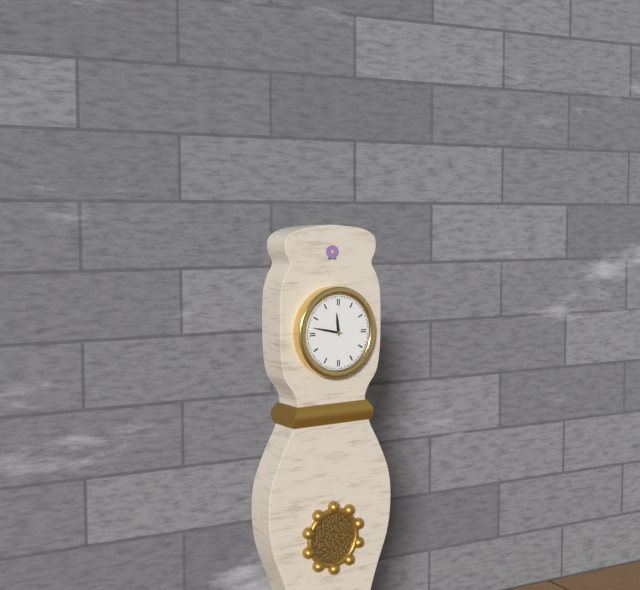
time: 11:47
